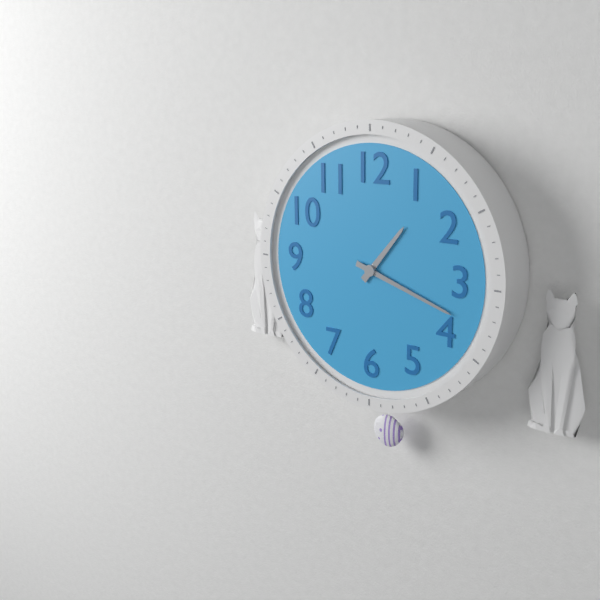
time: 1:18
